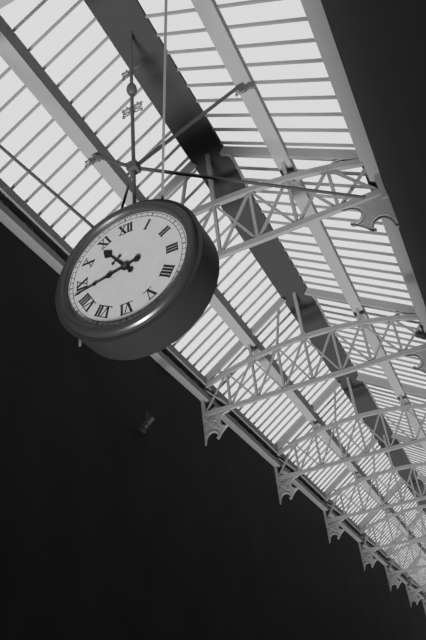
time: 10:43
